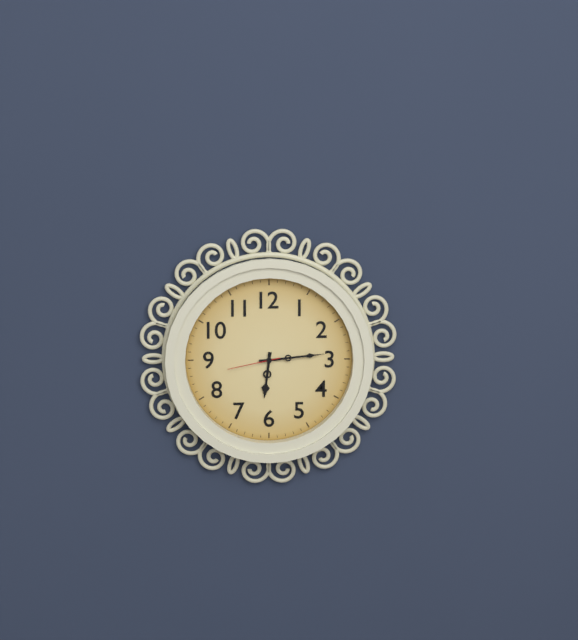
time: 6:14:43
